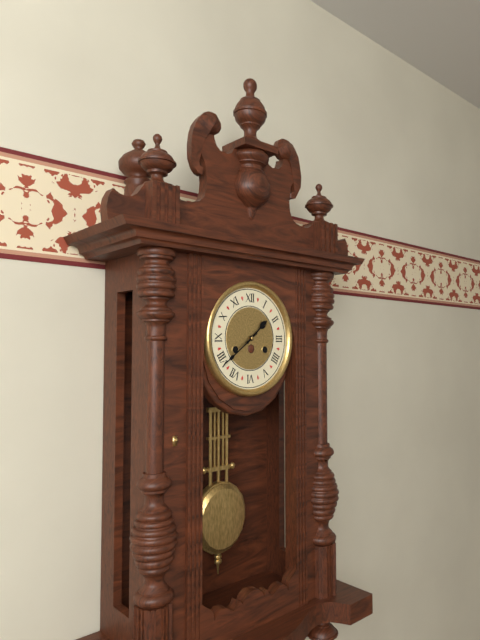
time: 1:39
